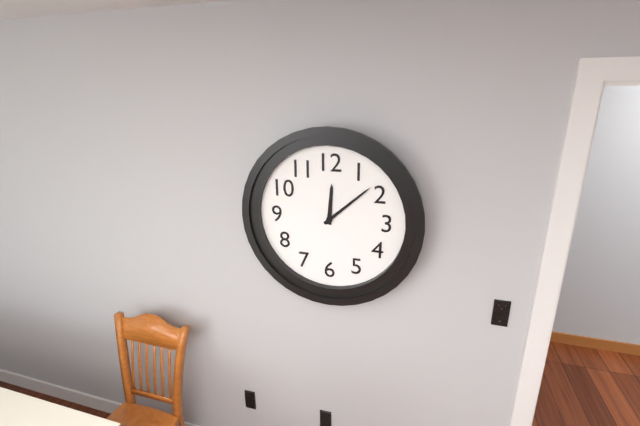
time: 12:08
